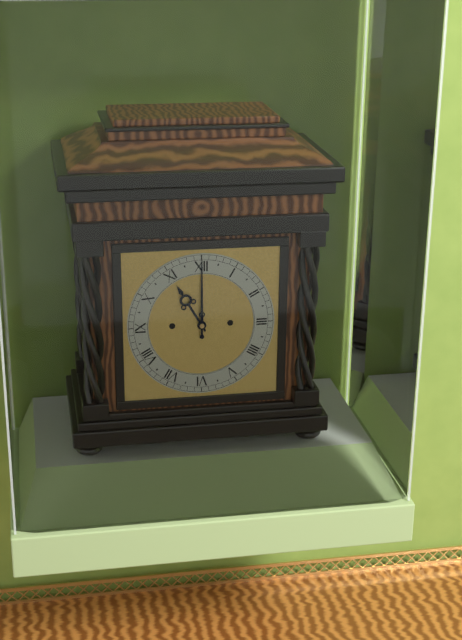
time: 11:00
